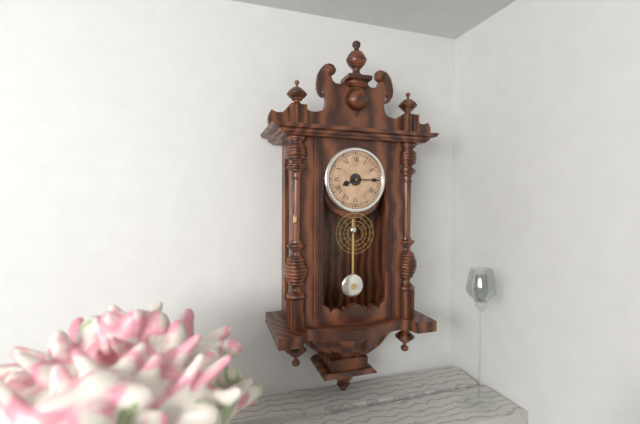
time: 8:15
